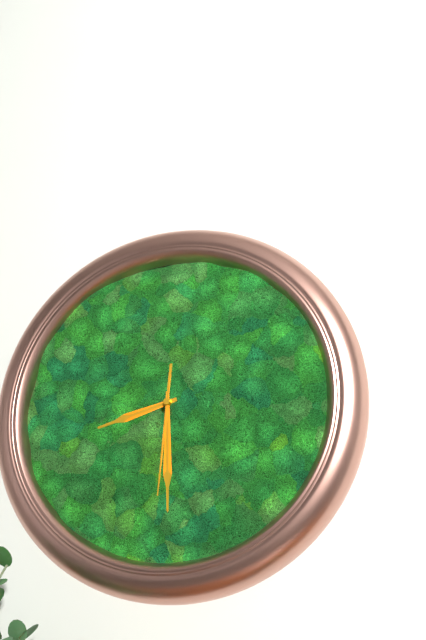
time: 8:30:31
